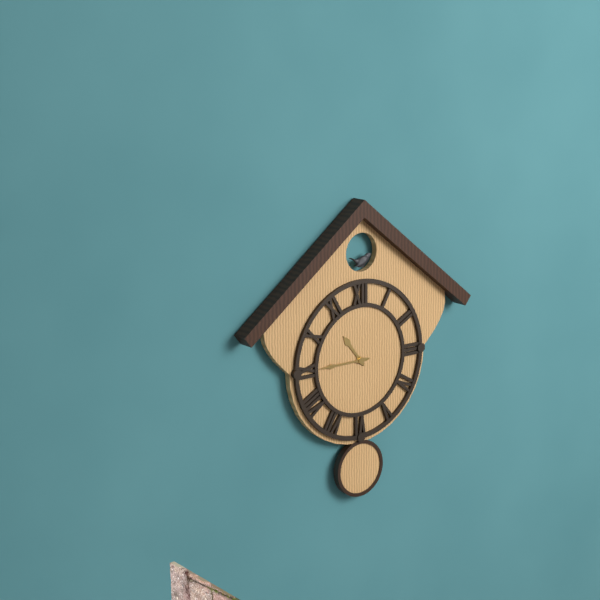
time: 10:45
